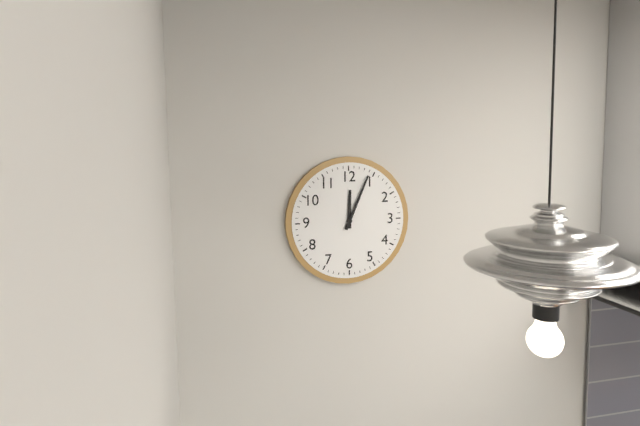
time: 12:04
